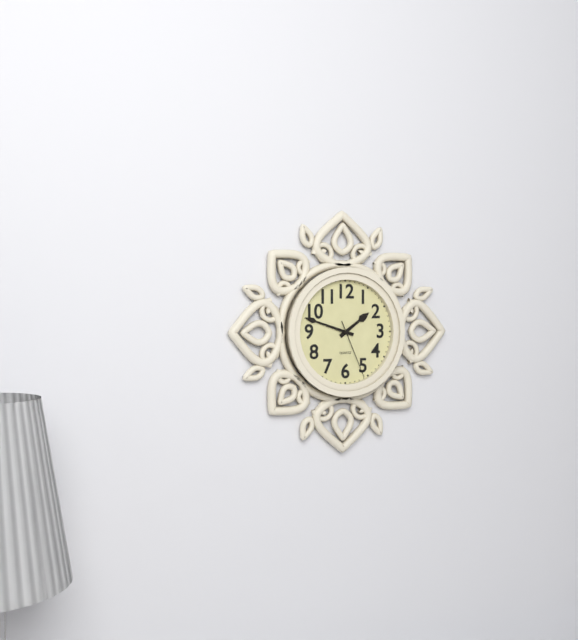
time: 1:48:26
